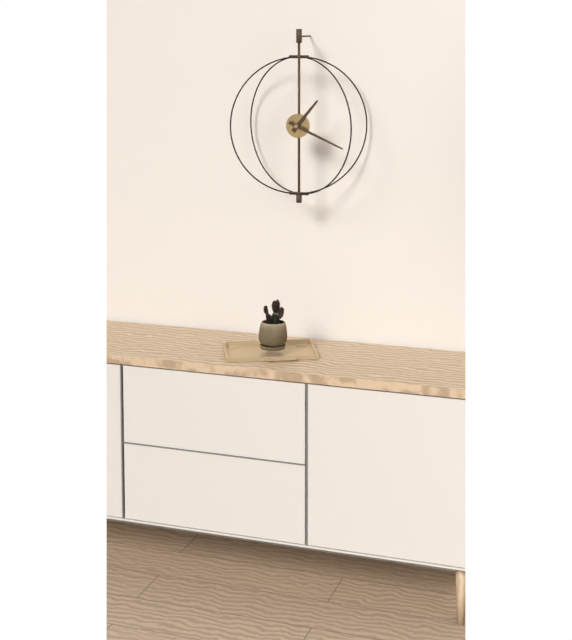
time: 1:19
